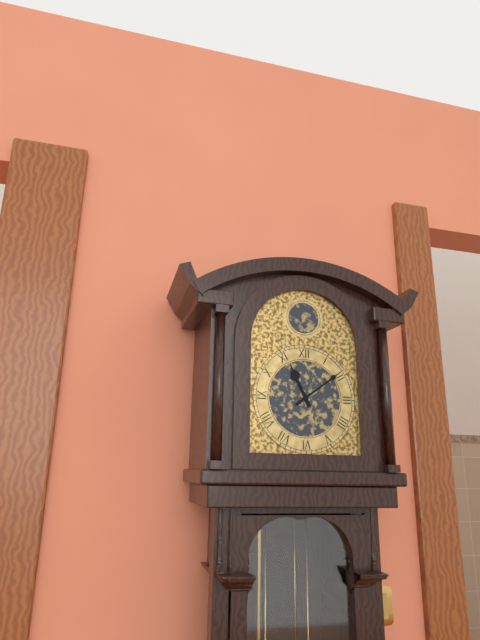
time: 11:09
